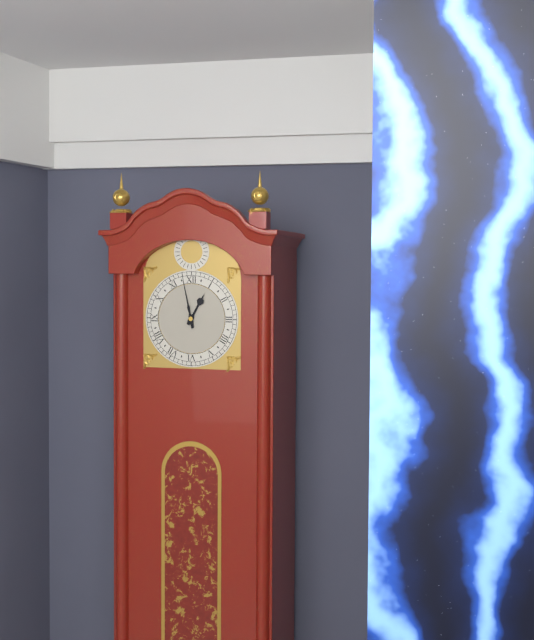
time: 12:58
